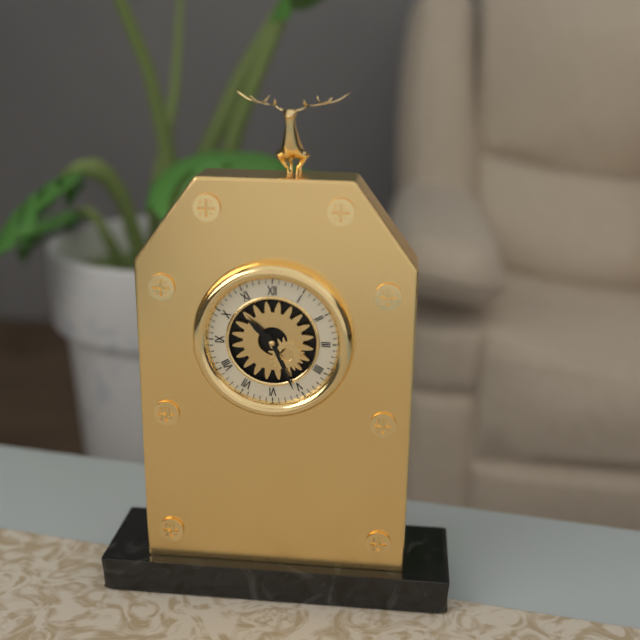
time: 10:26
